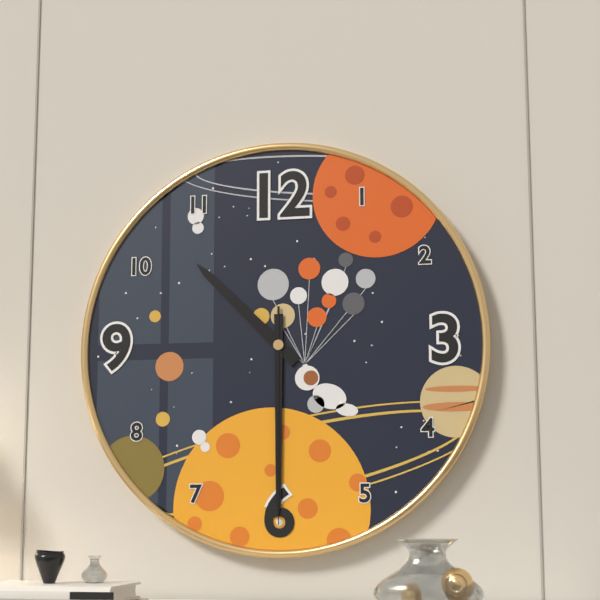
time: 10:30:30
